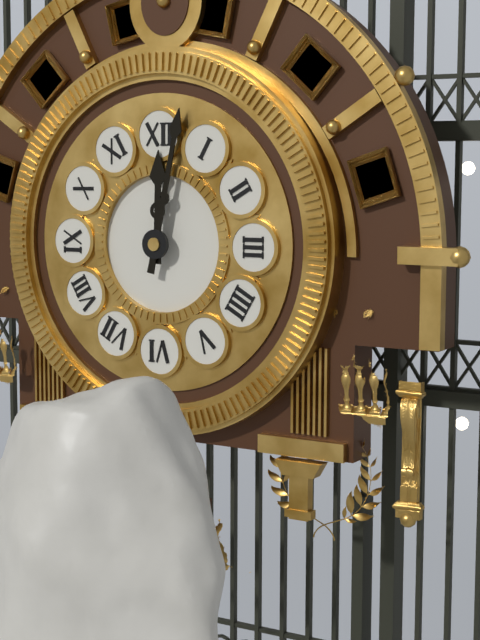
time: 12:02
